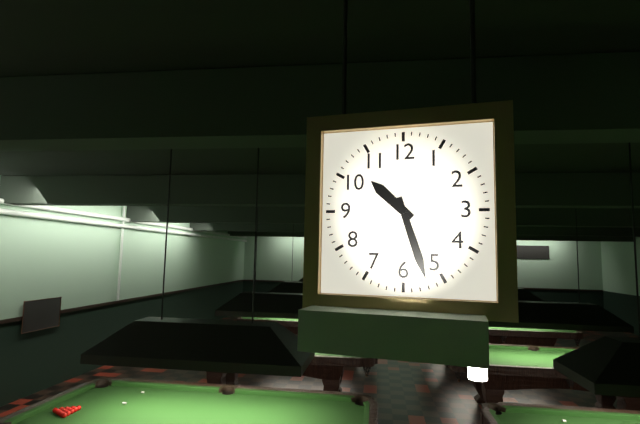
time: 10:27
